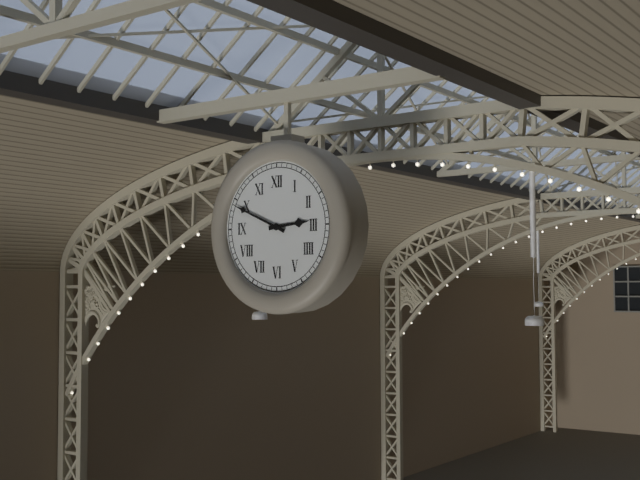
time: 2:49
